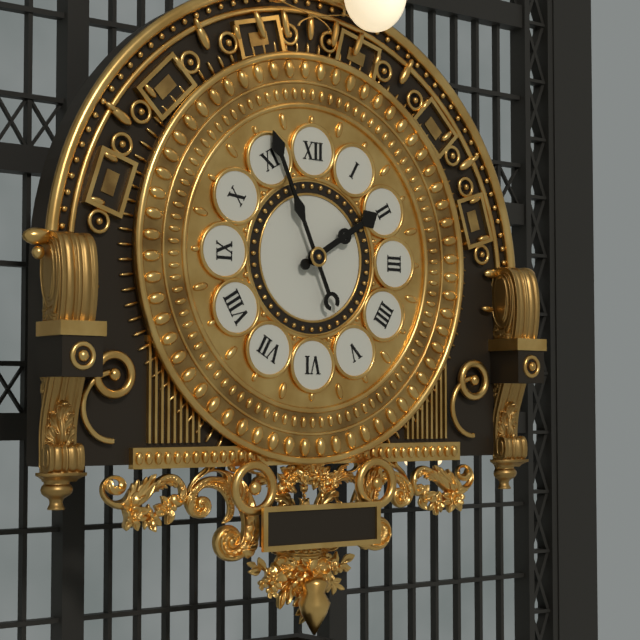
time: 1:56
